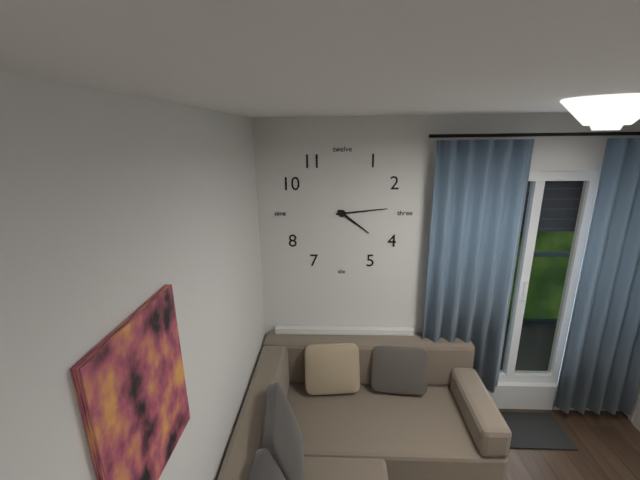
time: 4:14
